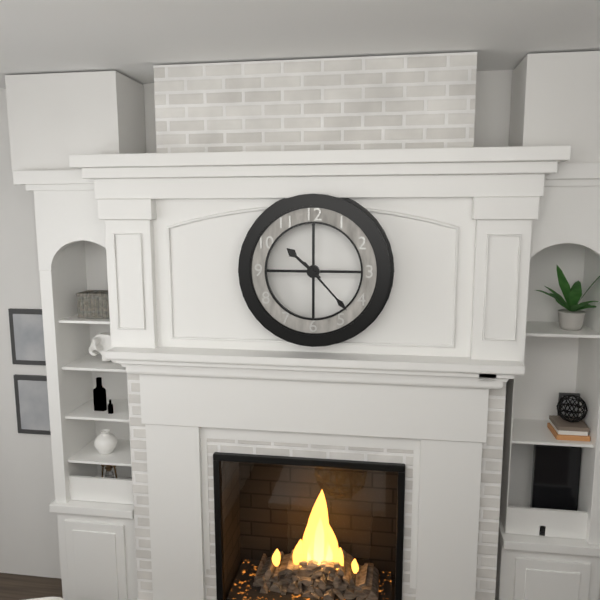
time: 10:23
